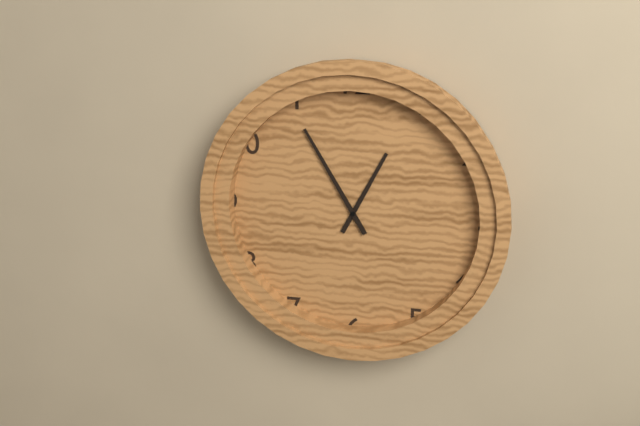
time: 12:55
